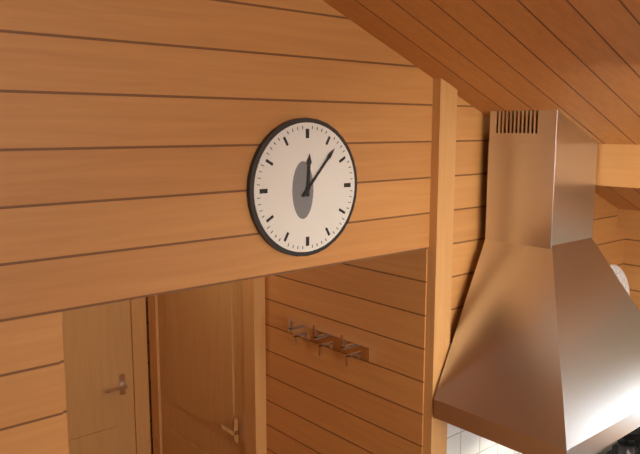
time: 12:07
